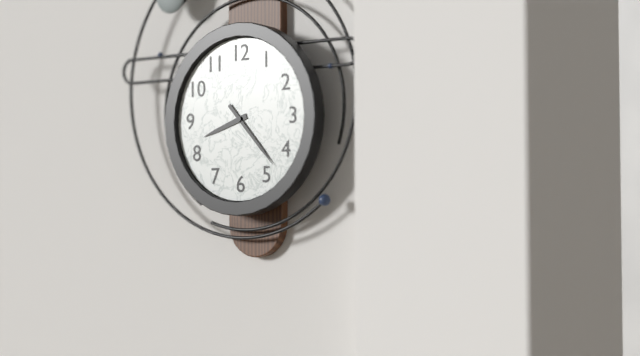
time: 8:23
